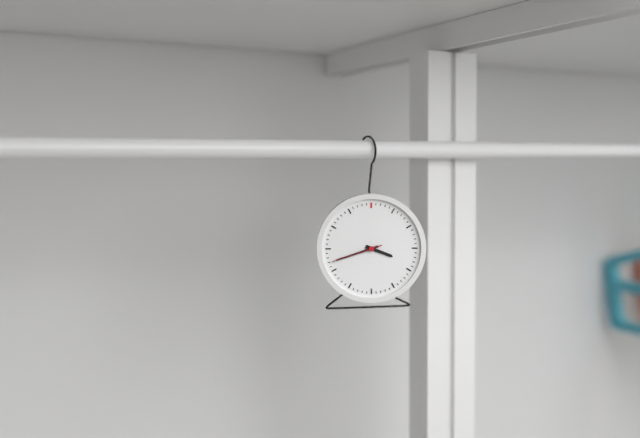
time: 3:42:42
